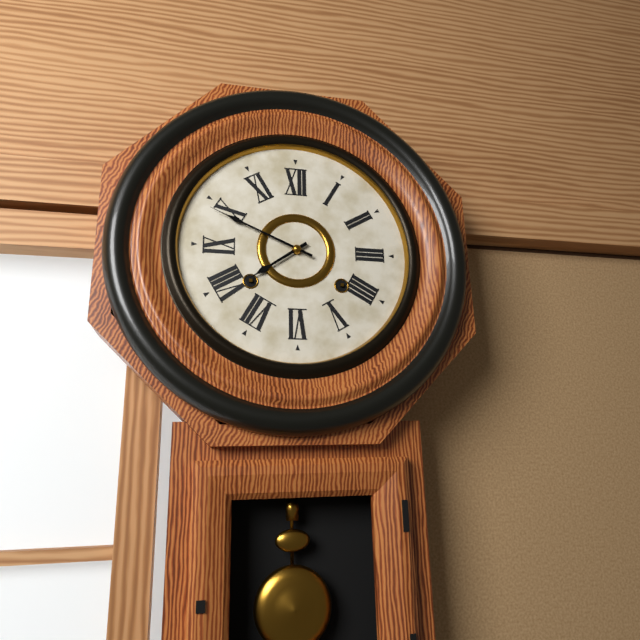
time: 7:49
